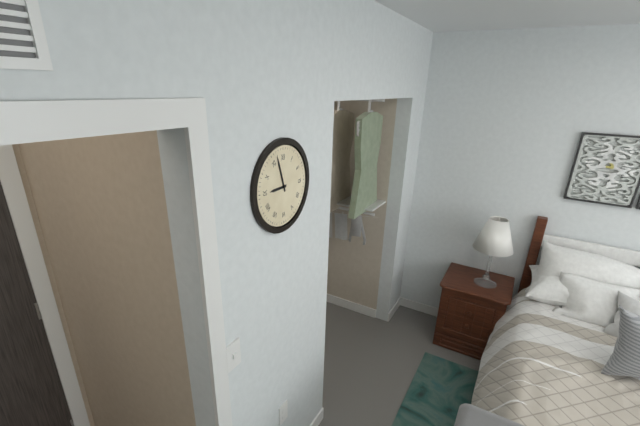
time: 8:57
